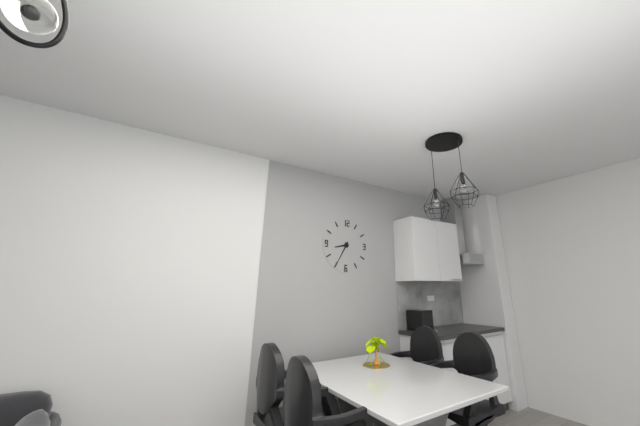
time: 8:35
